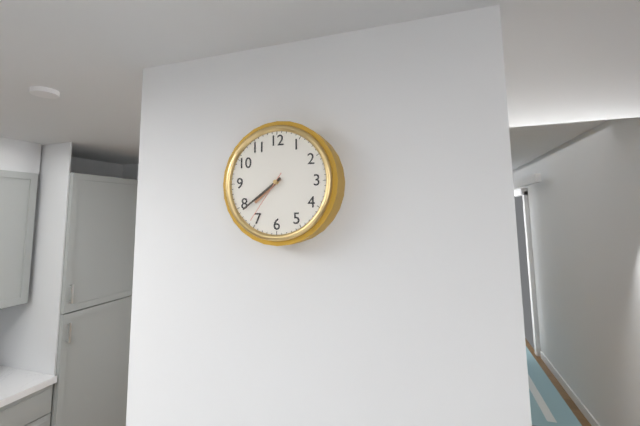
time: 7:39:36
